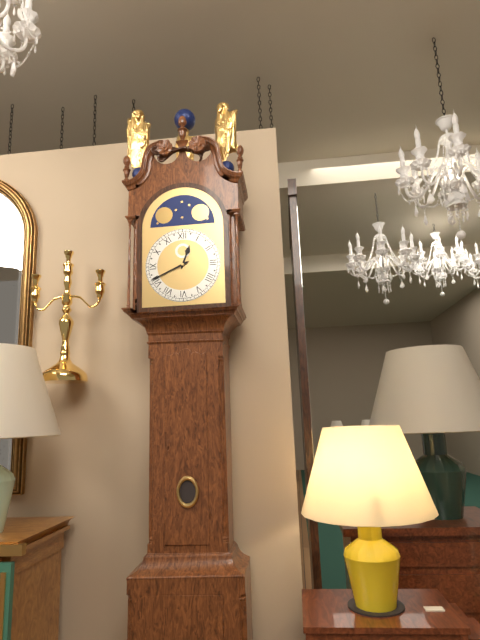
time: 12:41
